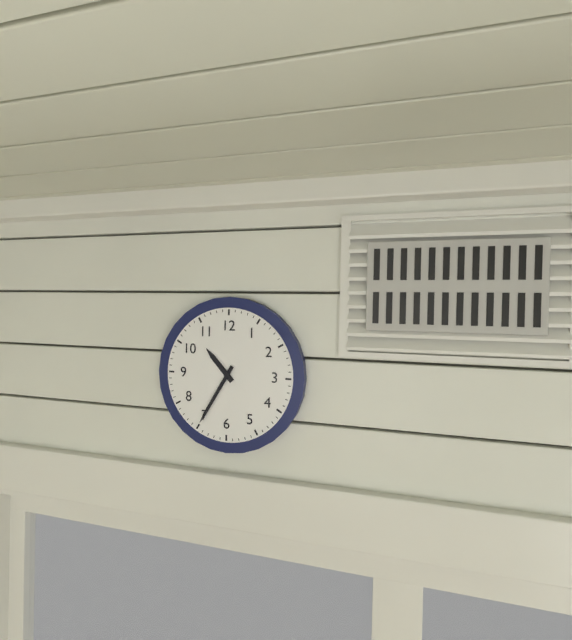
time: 10:35
